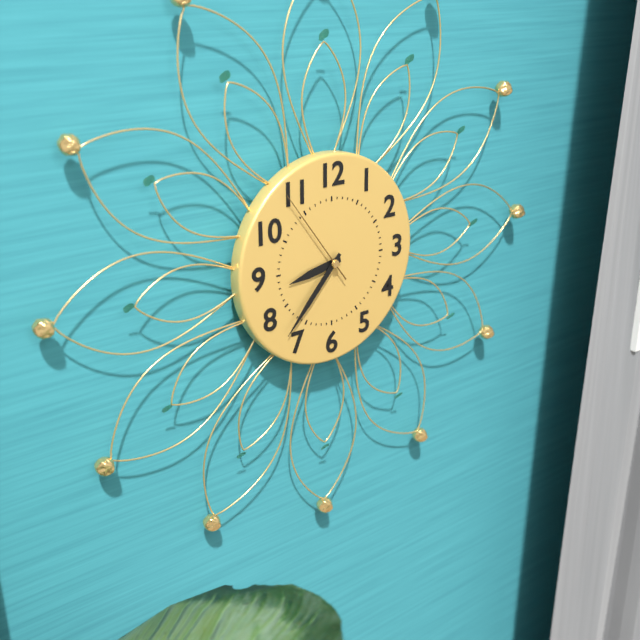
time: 8:37:54
